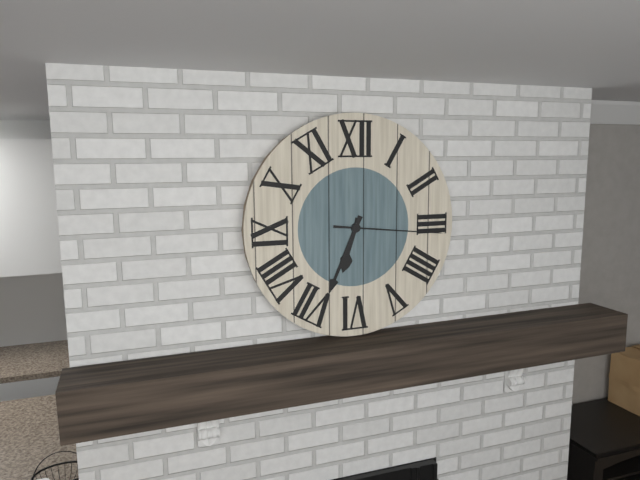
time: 6:34:16
